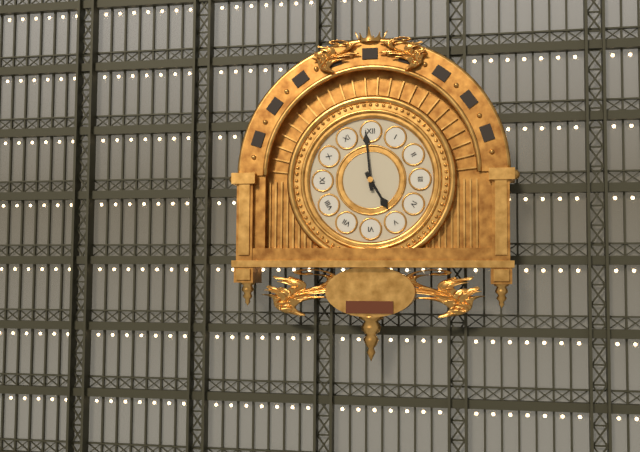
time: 4:59
